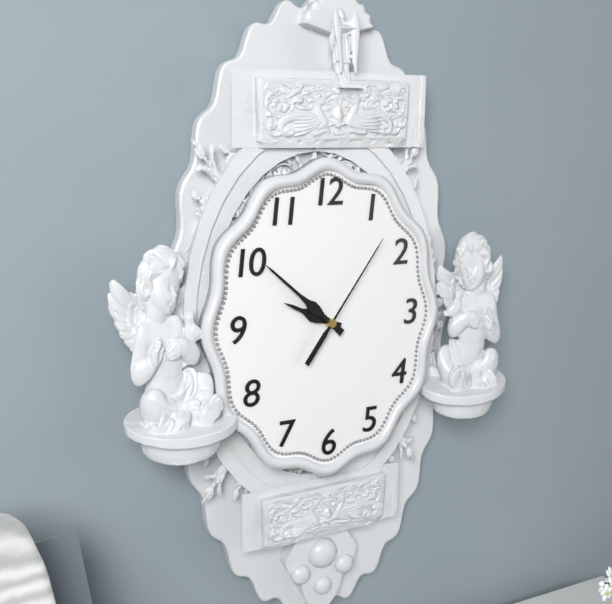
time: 9:52:06
